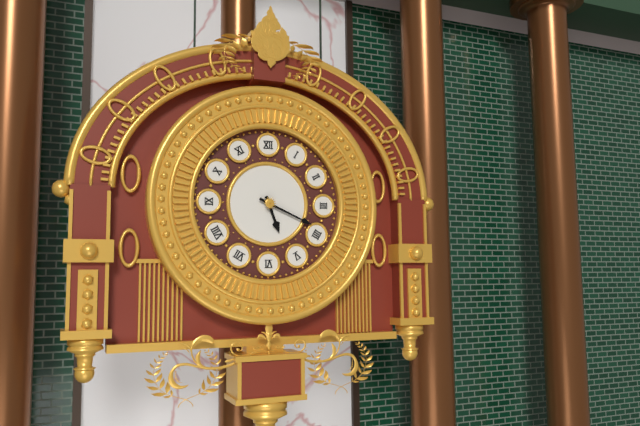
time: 5:19
